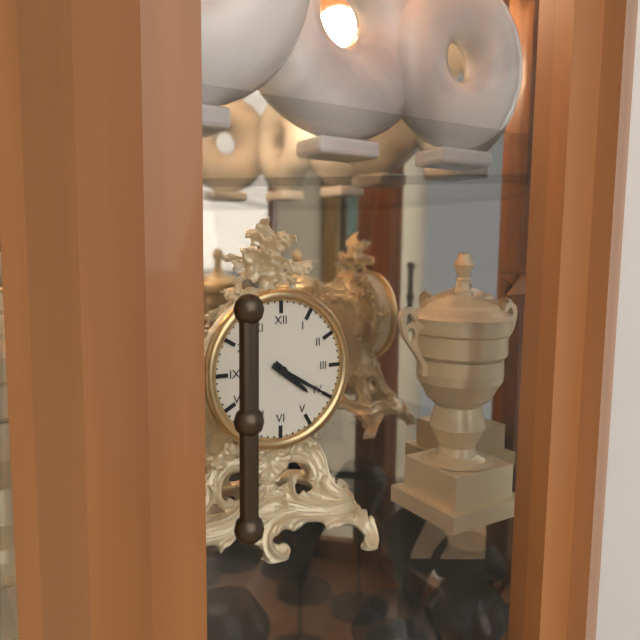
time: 4:20
